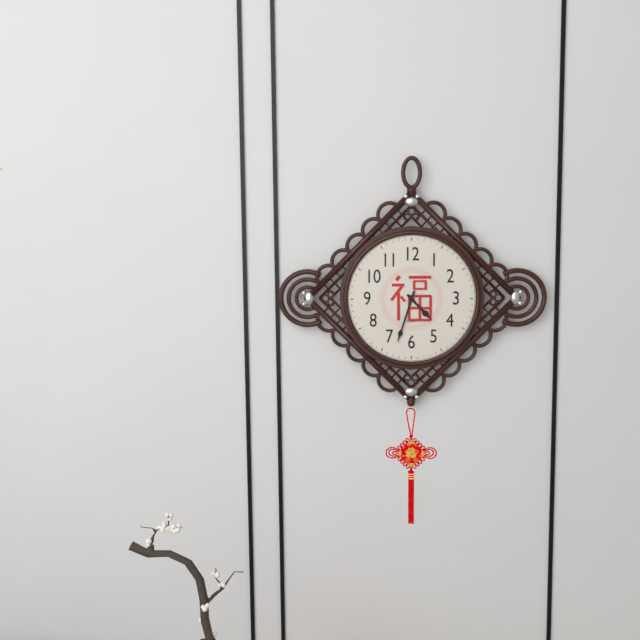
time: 4:33
